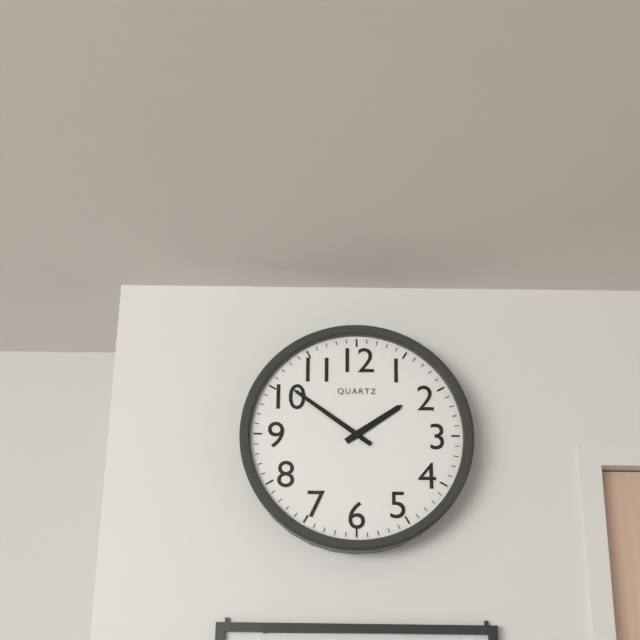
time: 1:51
